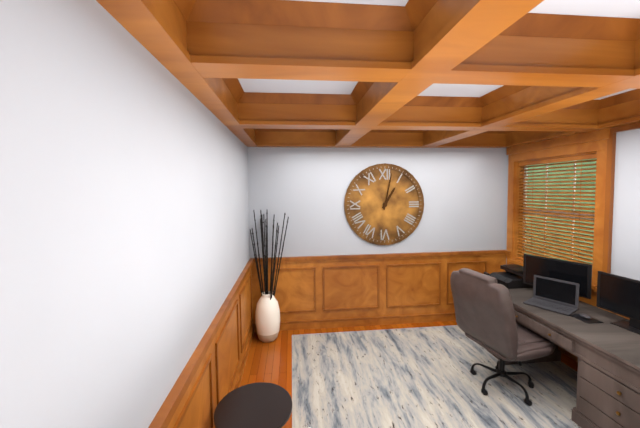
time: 1:02
